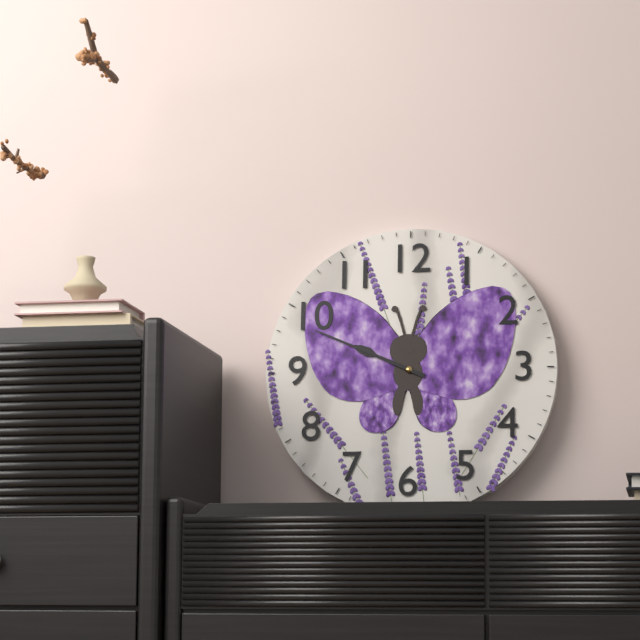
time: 9:49
